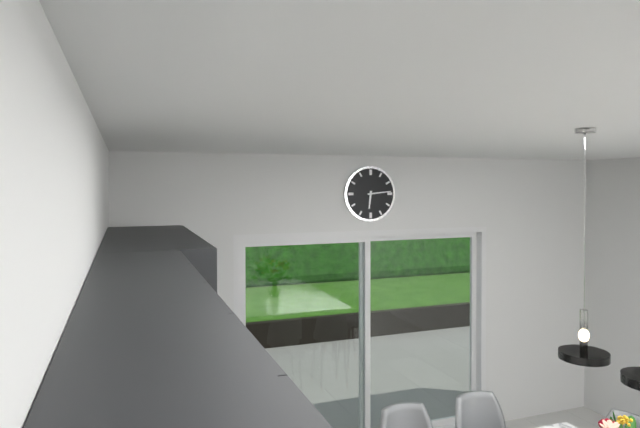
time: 6:14
